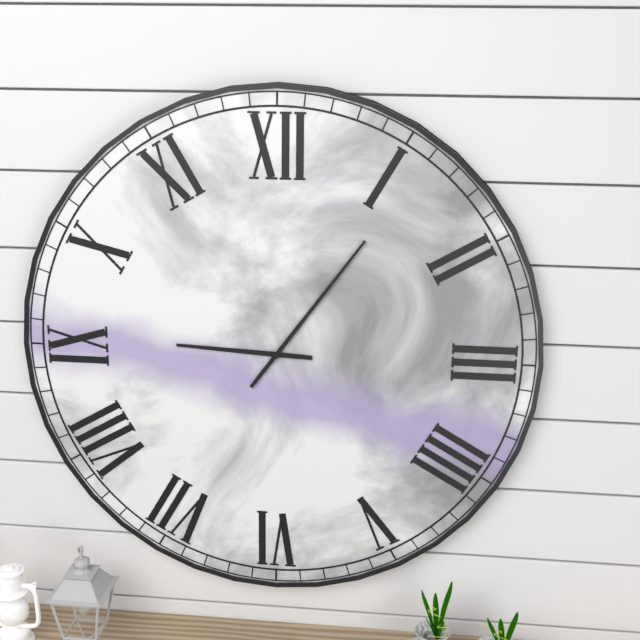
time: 9:06
